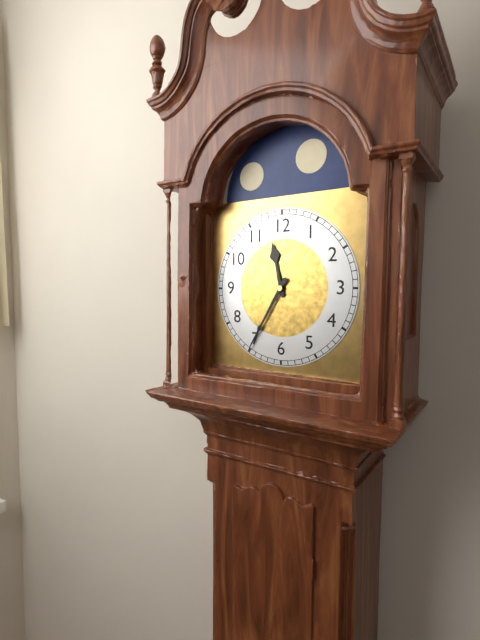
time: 11:35
